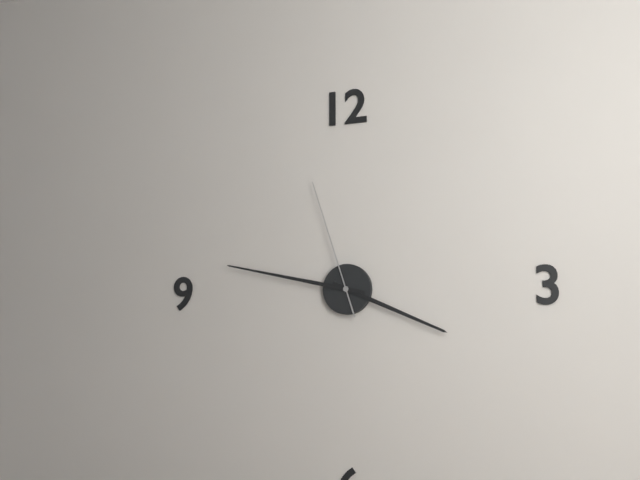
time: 3:47:57
